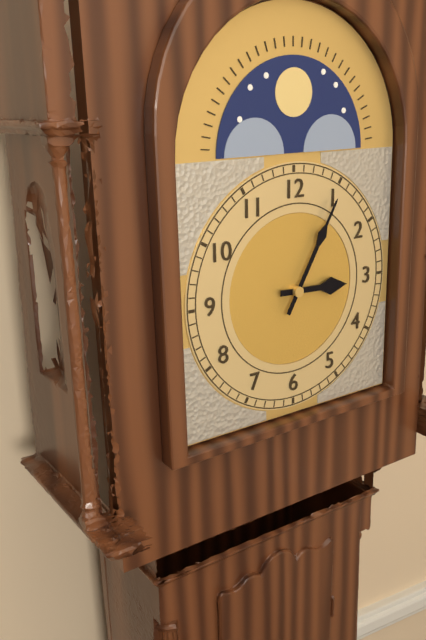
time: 3:05
